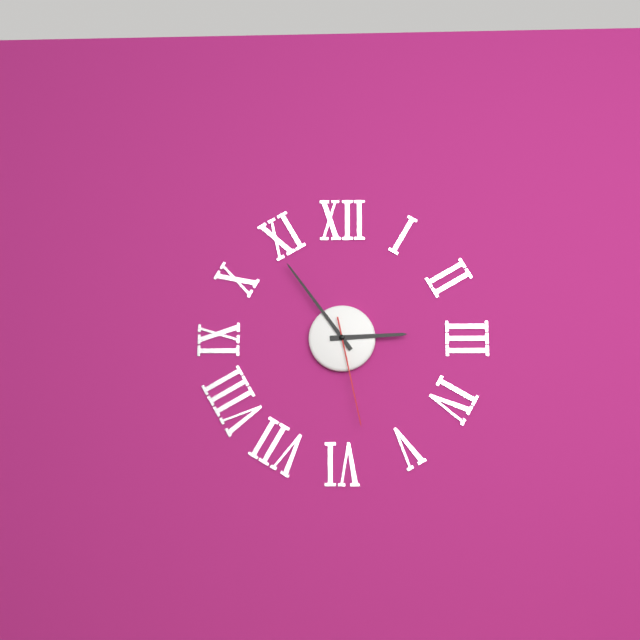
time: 2:54:28
